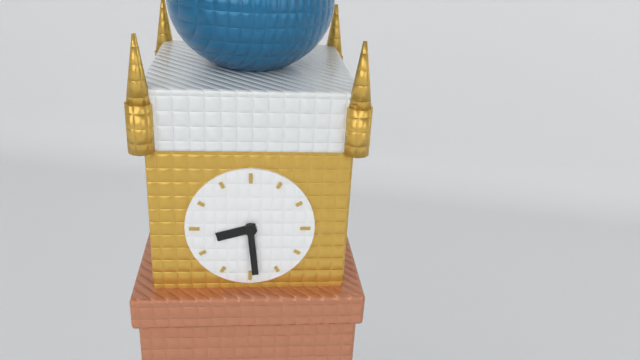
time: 8:29
